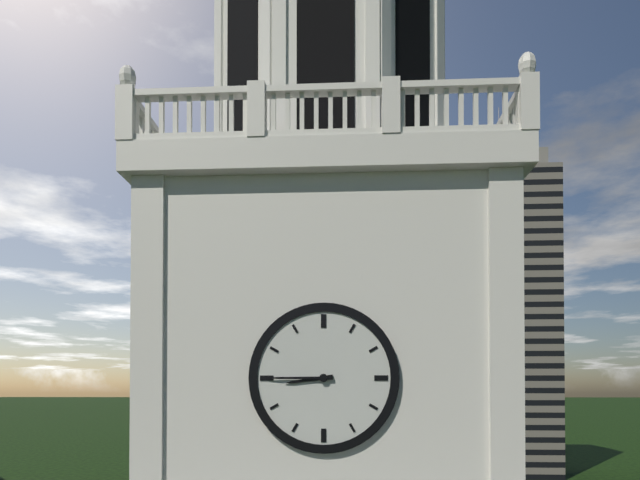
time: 8:45
